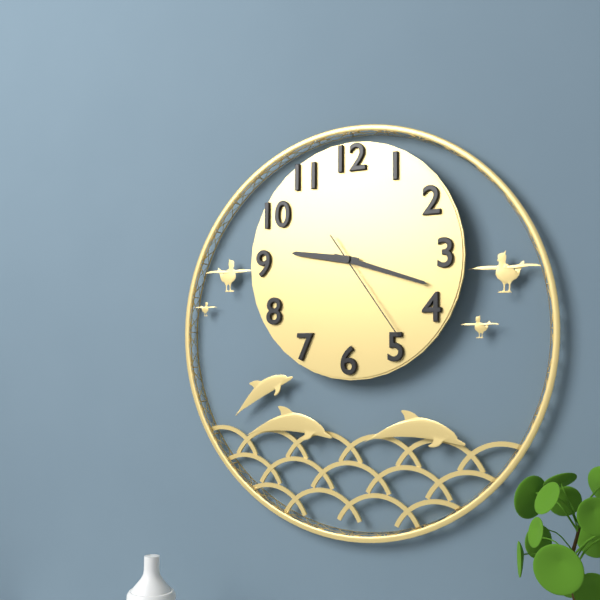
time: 9:18:24
